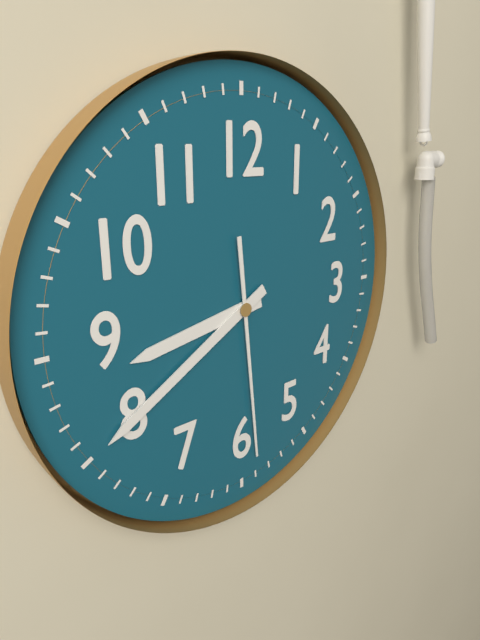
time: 8:40:29
